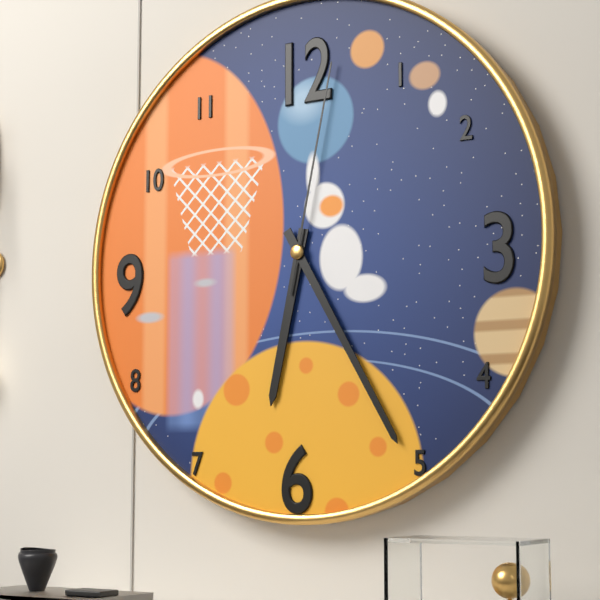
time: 6:25:02
